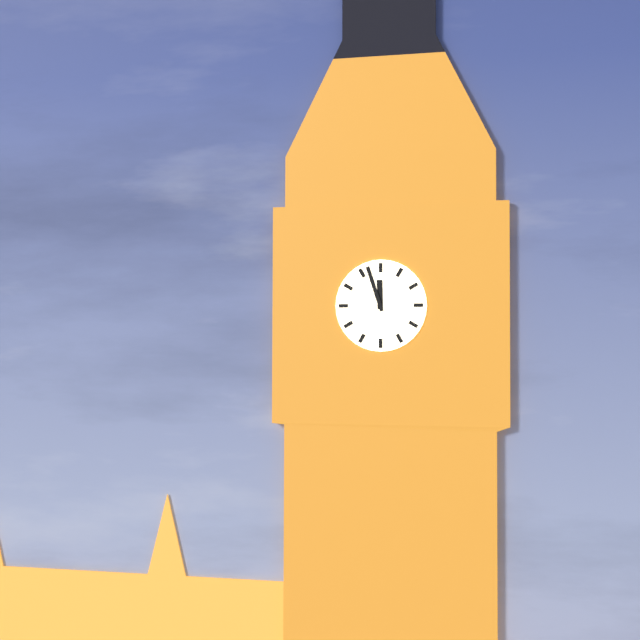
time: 11:57
